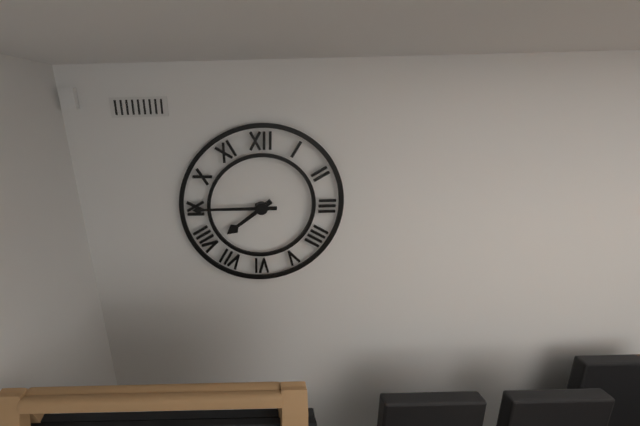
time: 7:45
